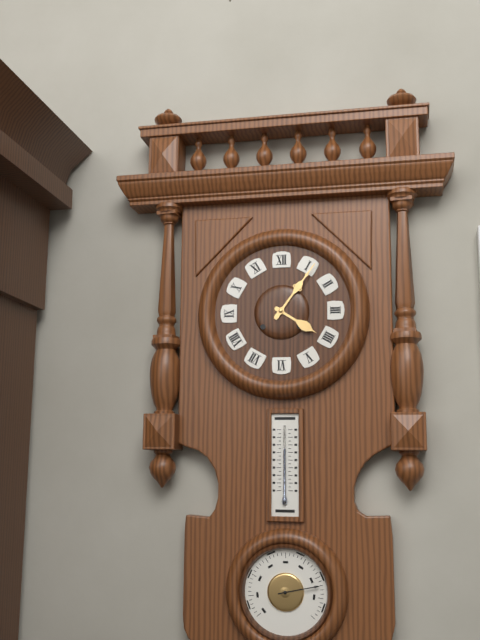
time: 4:06
